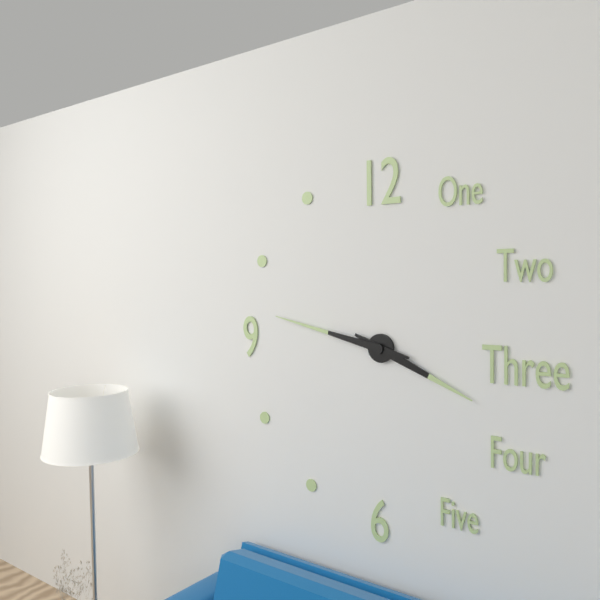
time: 3:47
